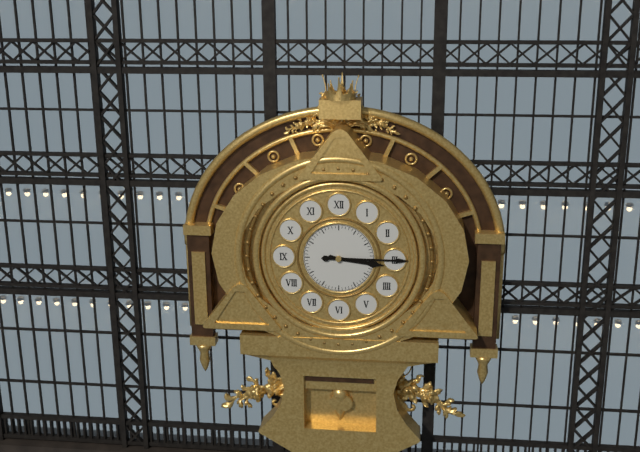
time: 3:15
